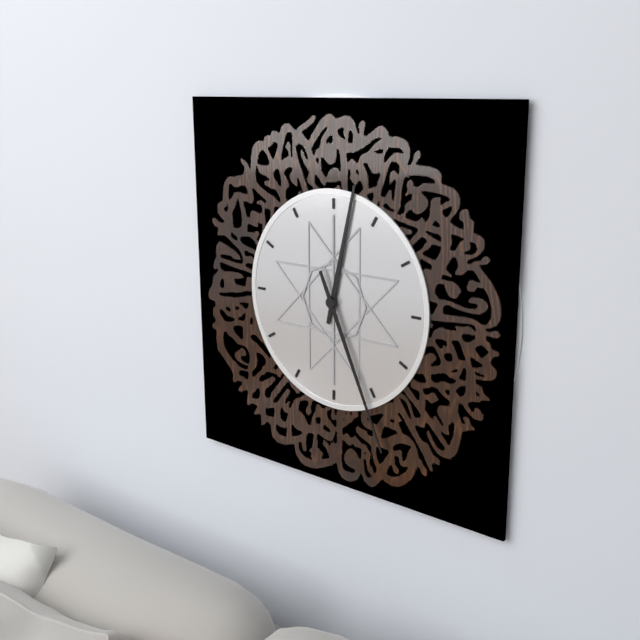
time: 12:26
